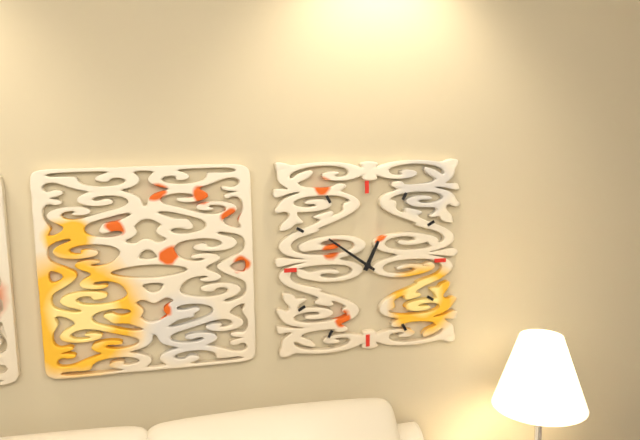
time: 12:51
